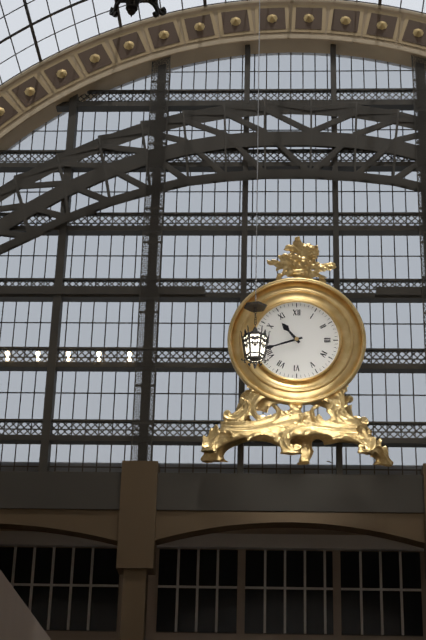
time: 10:42
